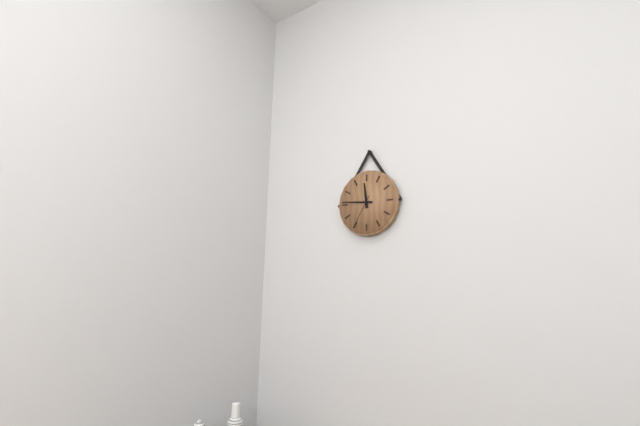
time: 11:46
